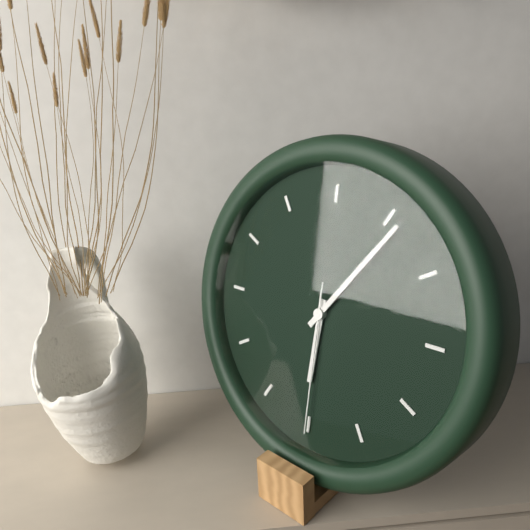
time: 6:06:30
